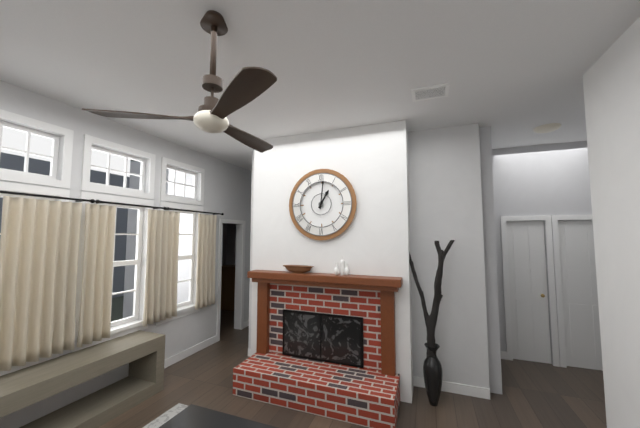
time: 1:01
